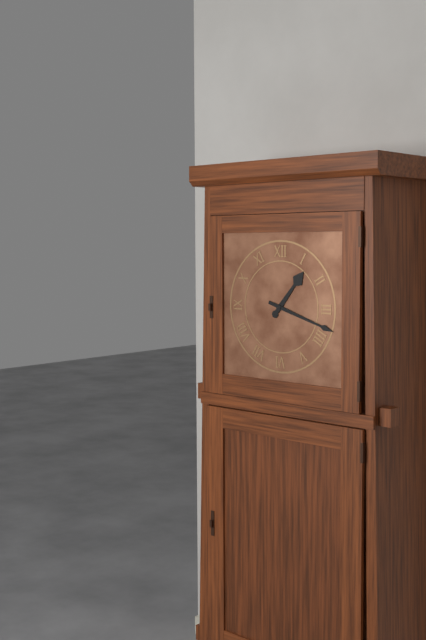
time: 1:18
